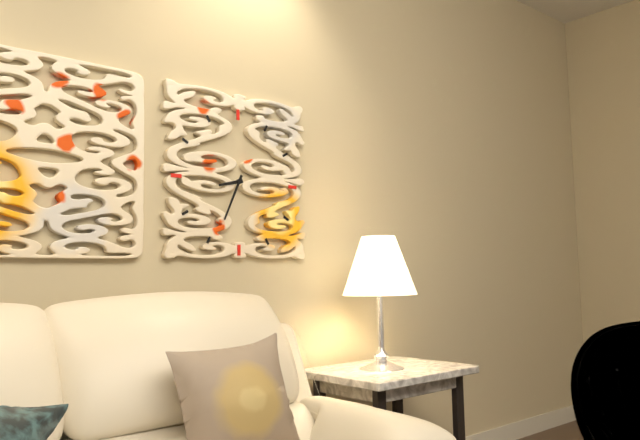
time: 8:34
